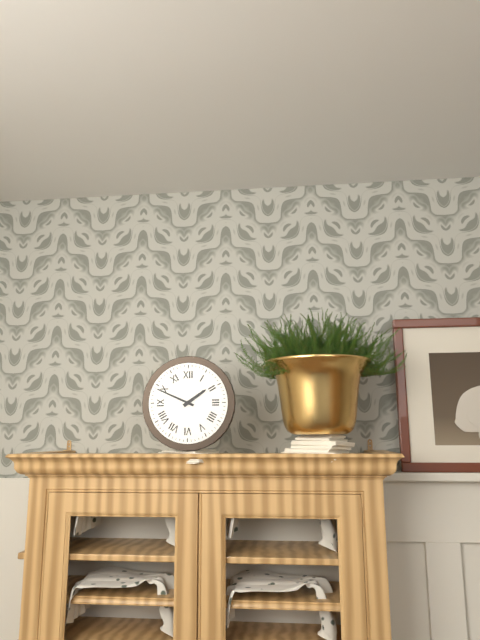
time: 1:49
